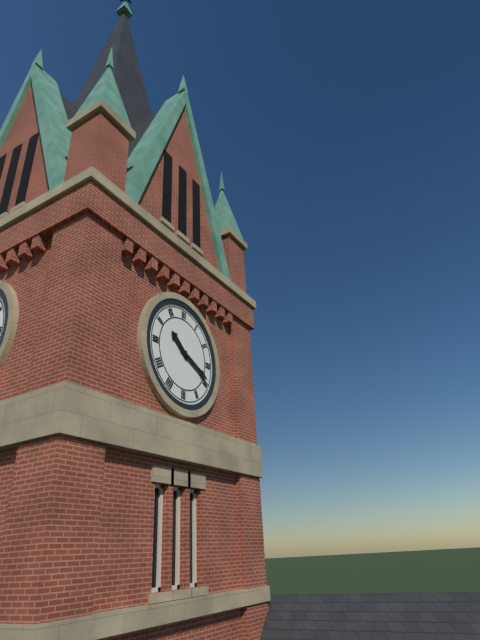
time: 10:19
